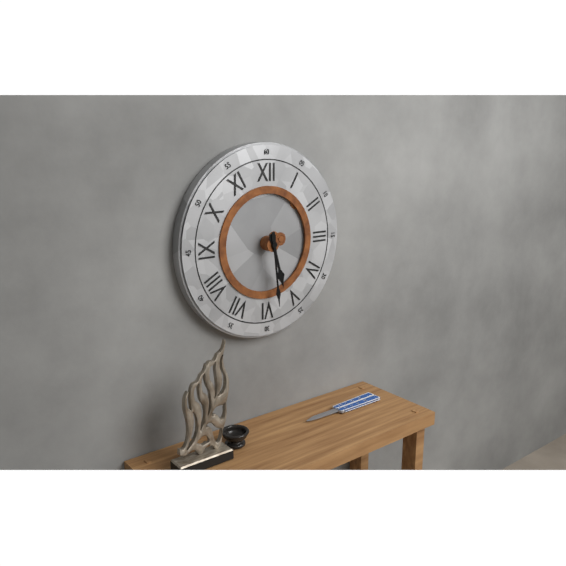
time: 5:29
